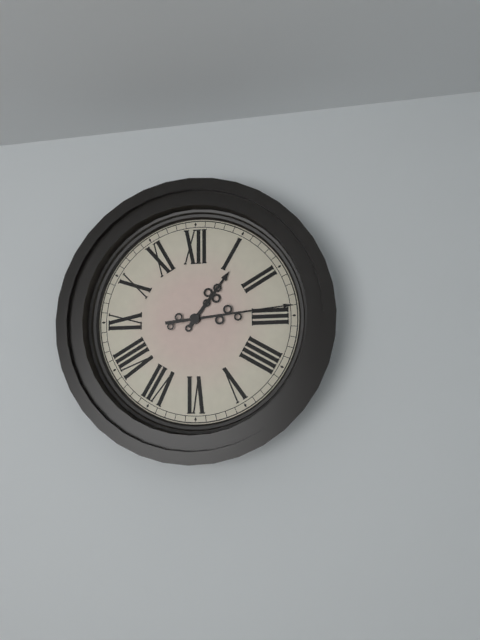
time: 1:14
